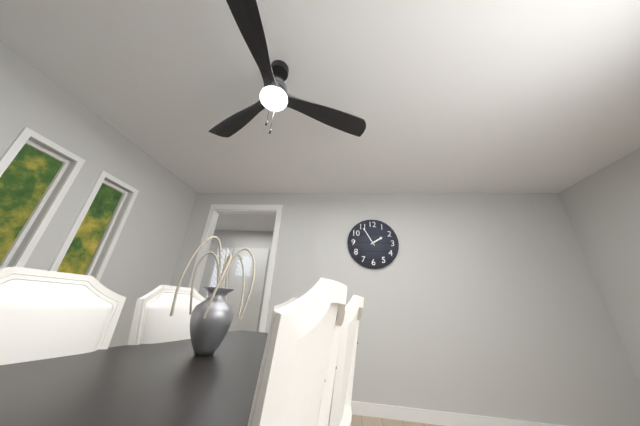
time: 1:55
